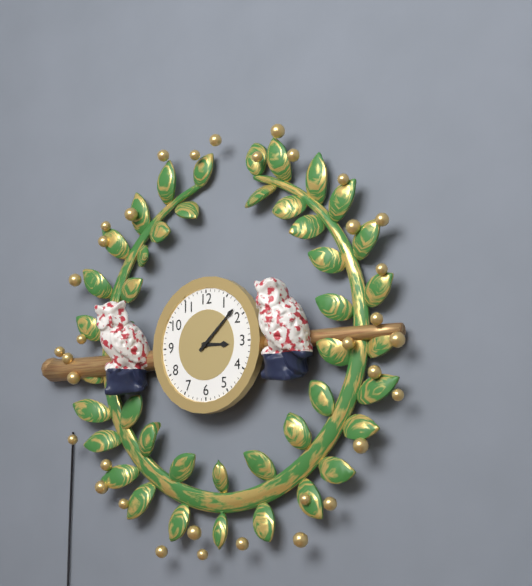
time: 3:08
